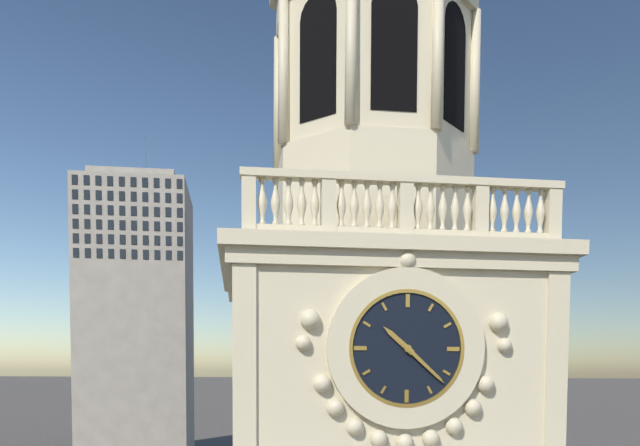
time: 10:22
